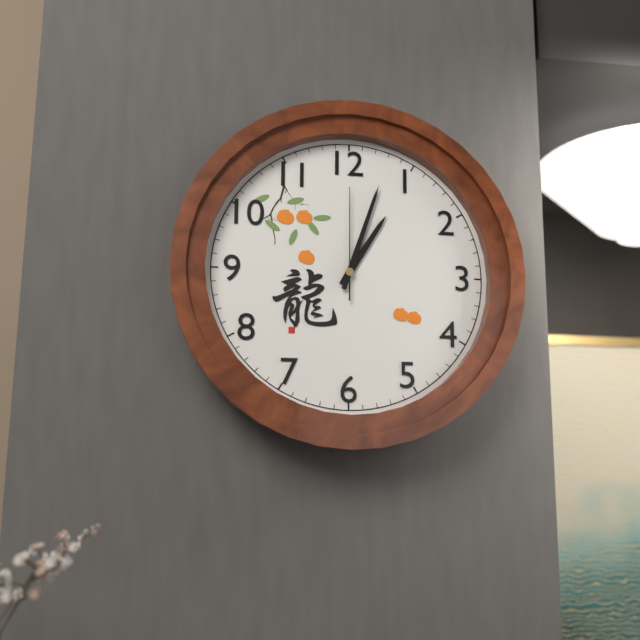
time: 1:03:00
